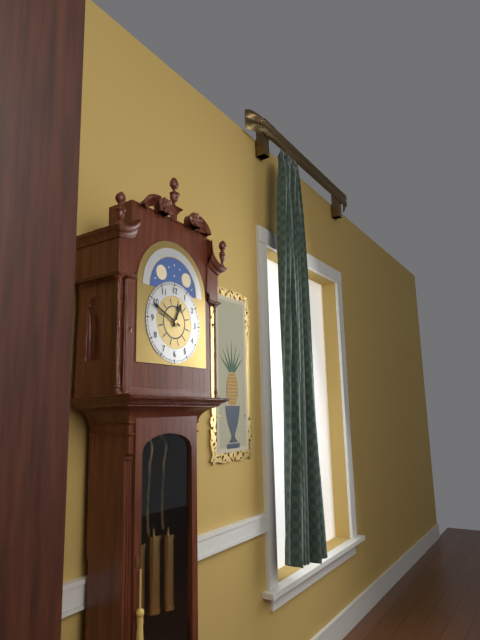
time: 12:49
